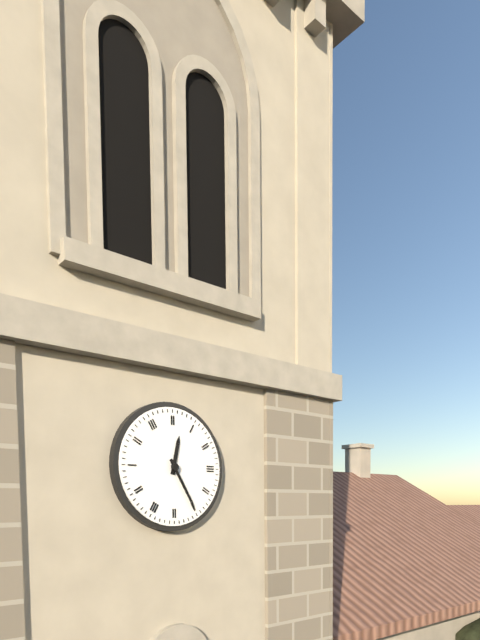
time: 12:25
